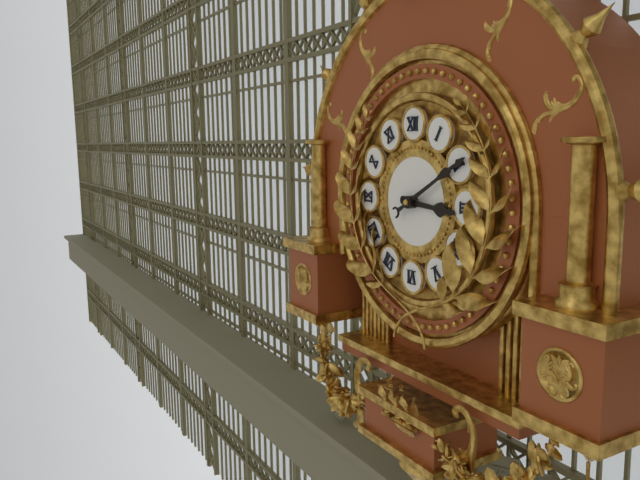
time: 3:10
